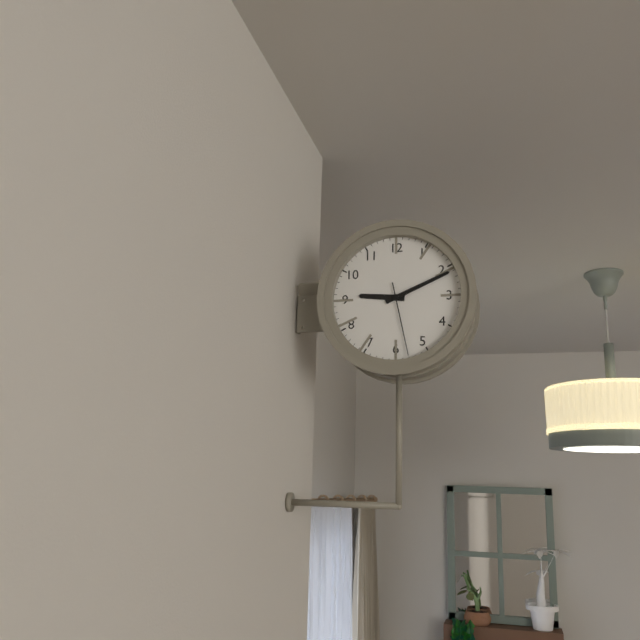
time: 9:11:28
